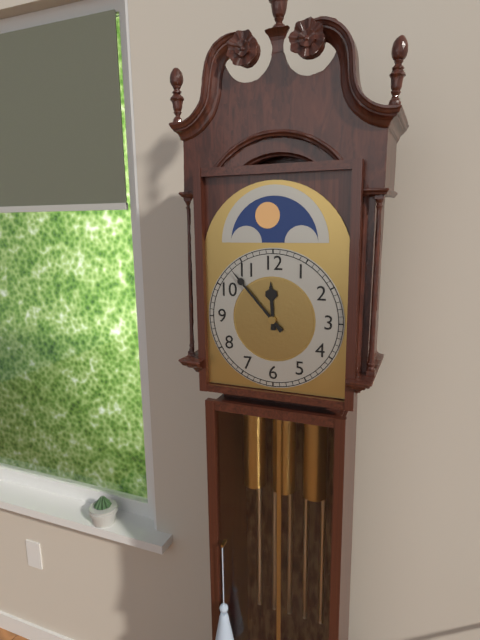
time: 11:53
